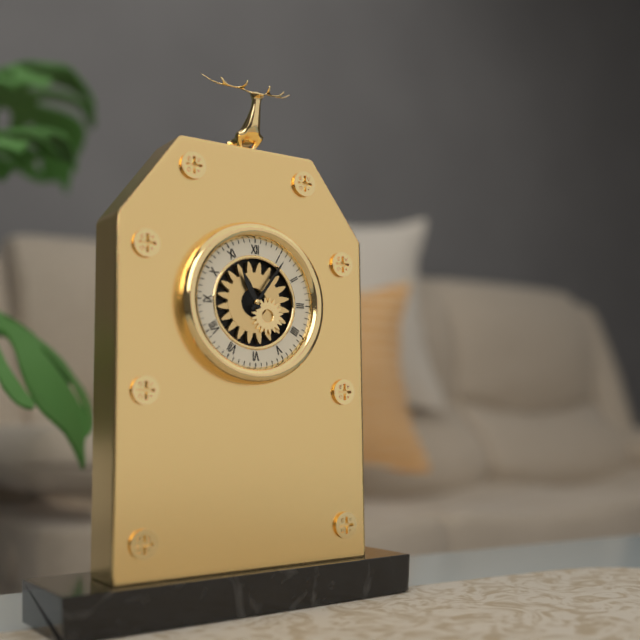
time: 11:06
